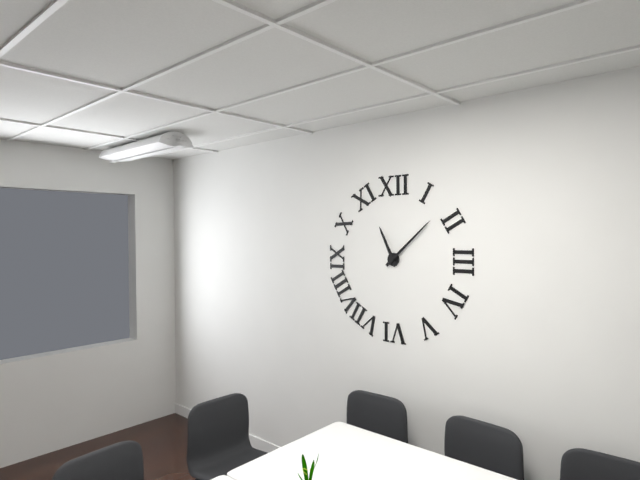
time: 11:08
